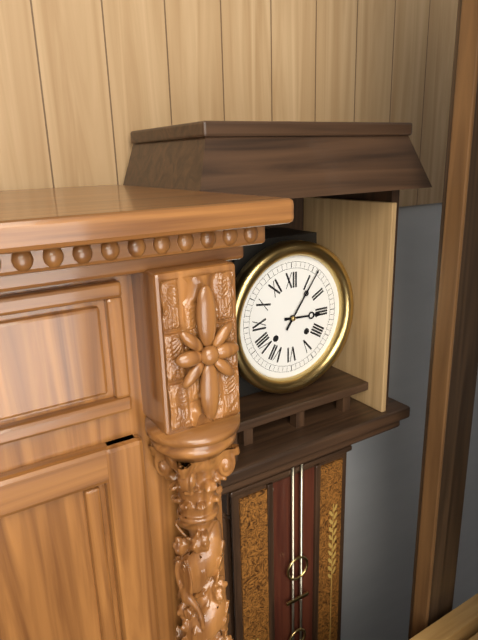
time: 3:06
